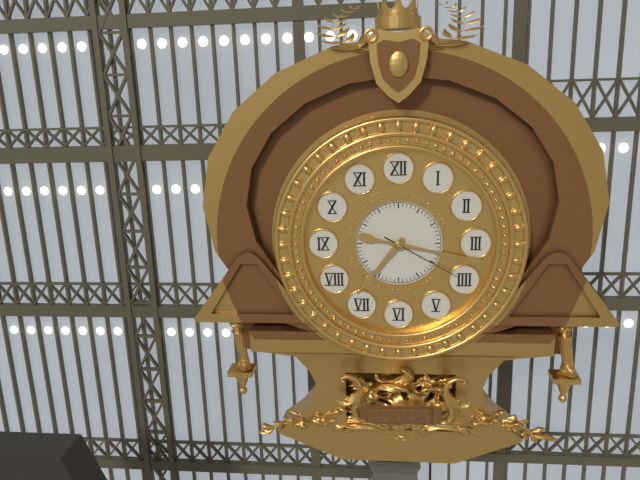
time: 7:17:20
